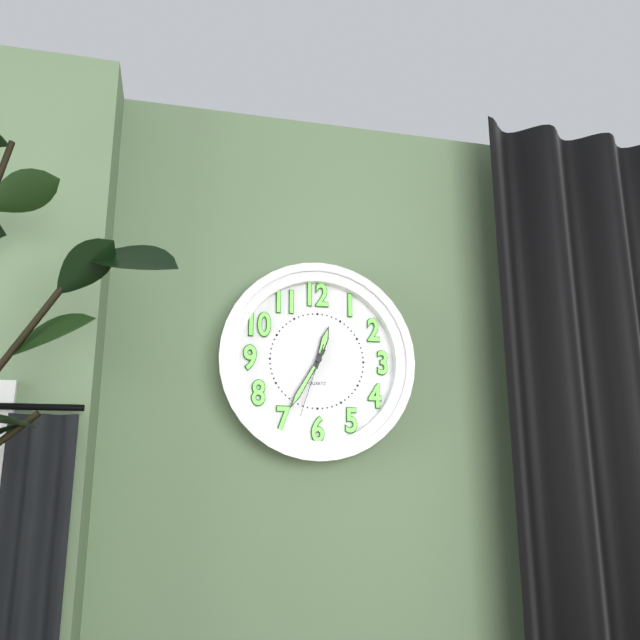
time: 12:35:33
